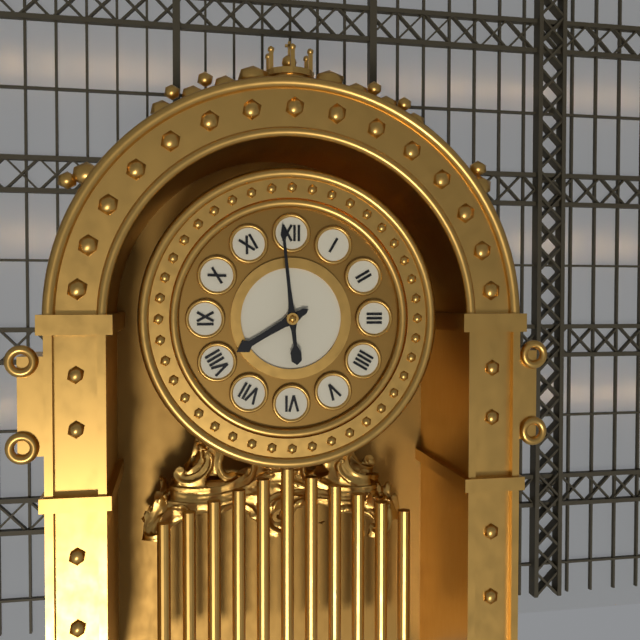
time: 7:59
